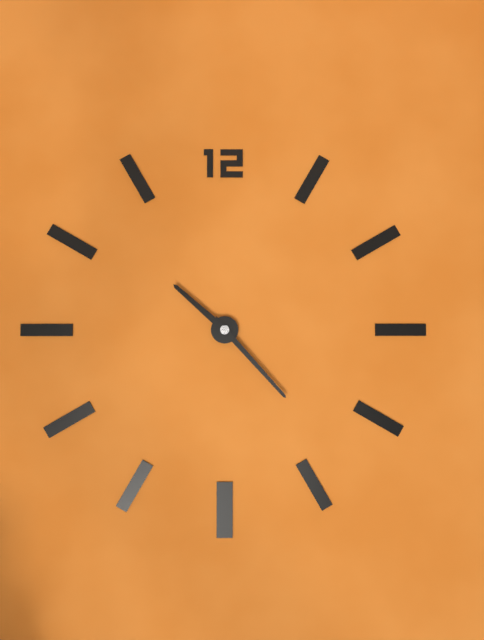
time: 10:23
